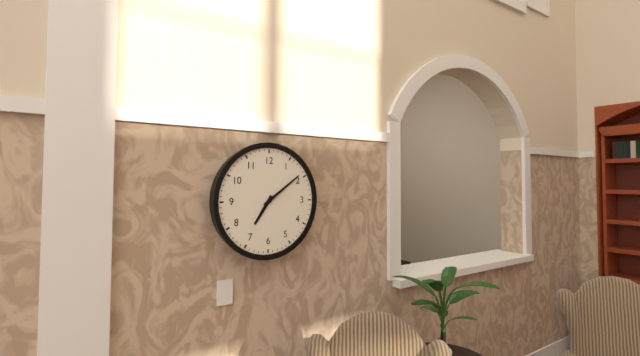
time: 7:09
